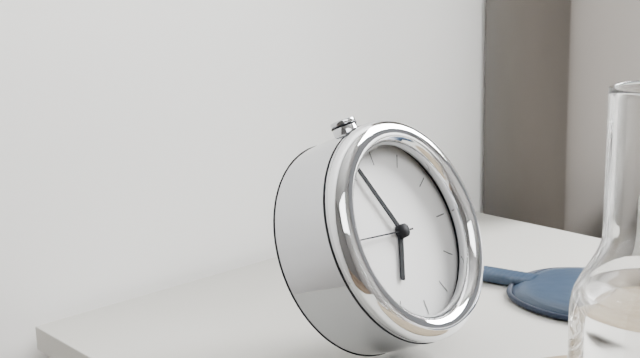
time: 6:56:46
